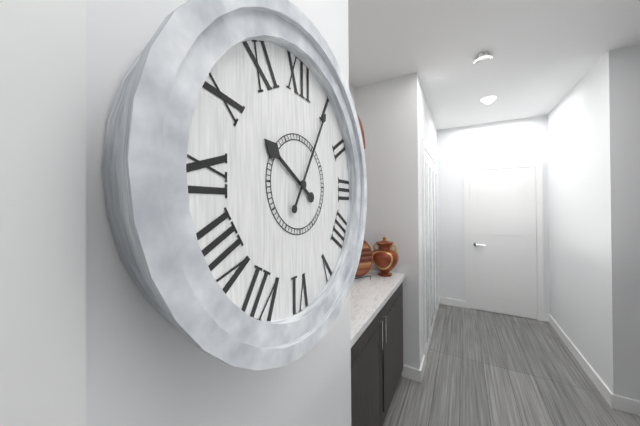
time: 10:05
